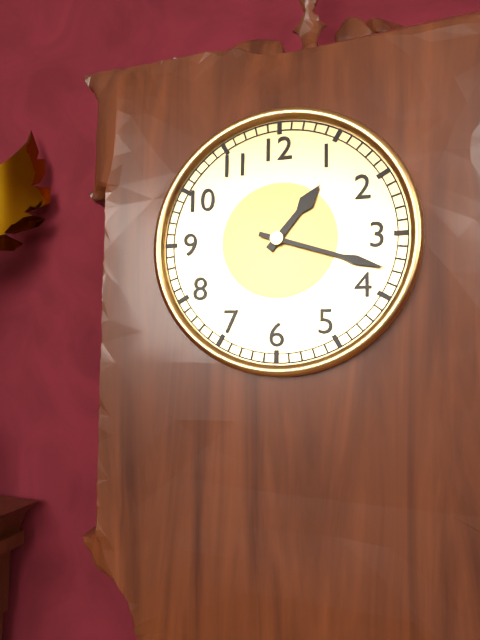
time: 1:18
